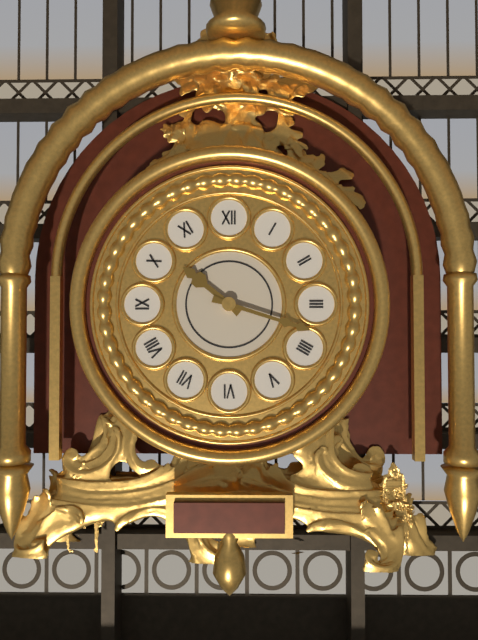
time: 10:18
